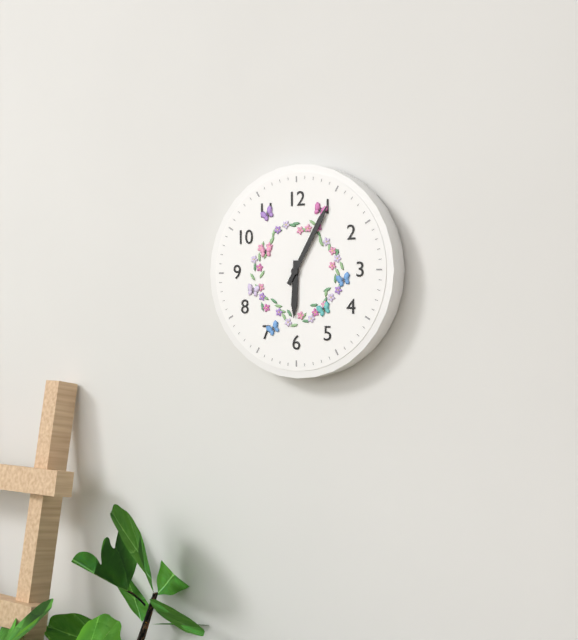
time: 6:05
